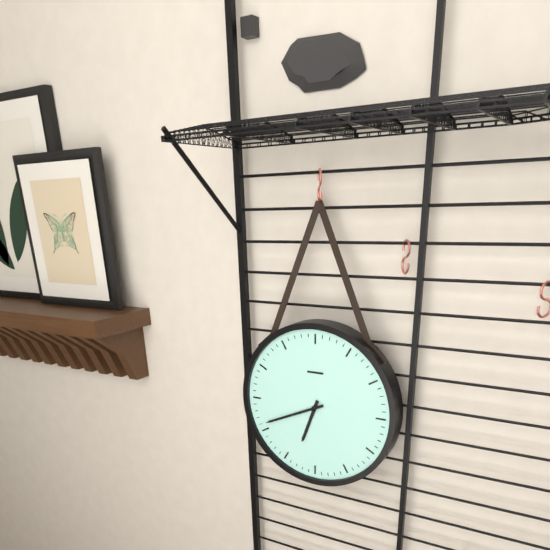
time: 6:41
